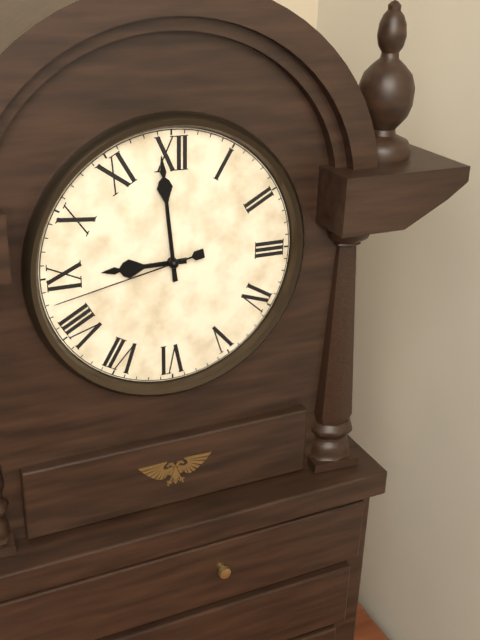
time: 8:59:43
